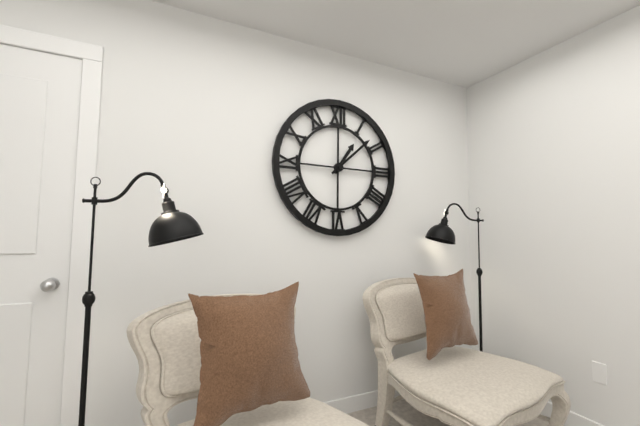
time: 1:08
